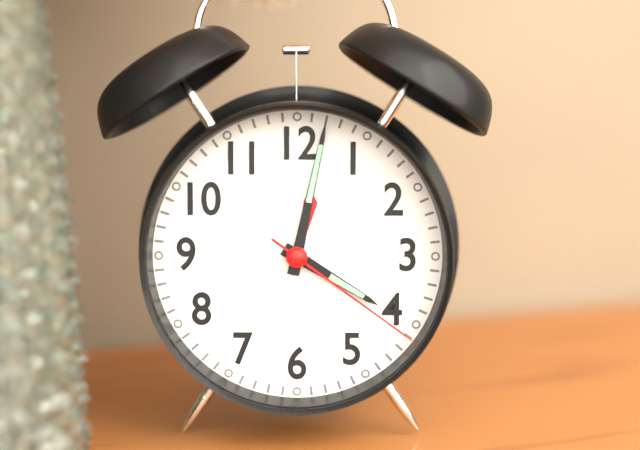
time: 4:02:21
